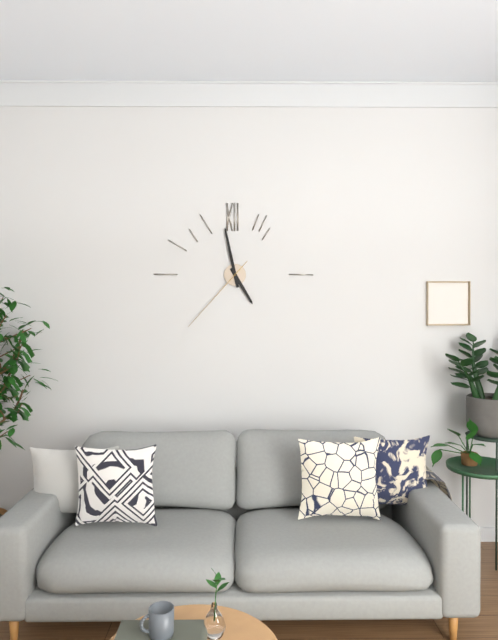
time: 4:58:37
